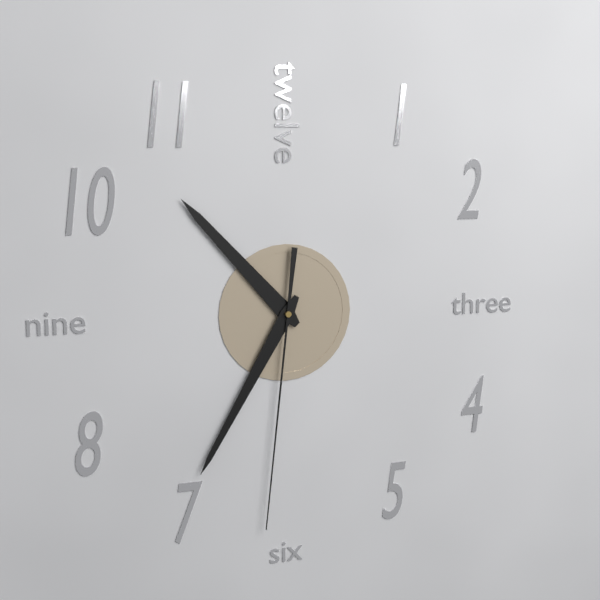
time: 10:35:31
